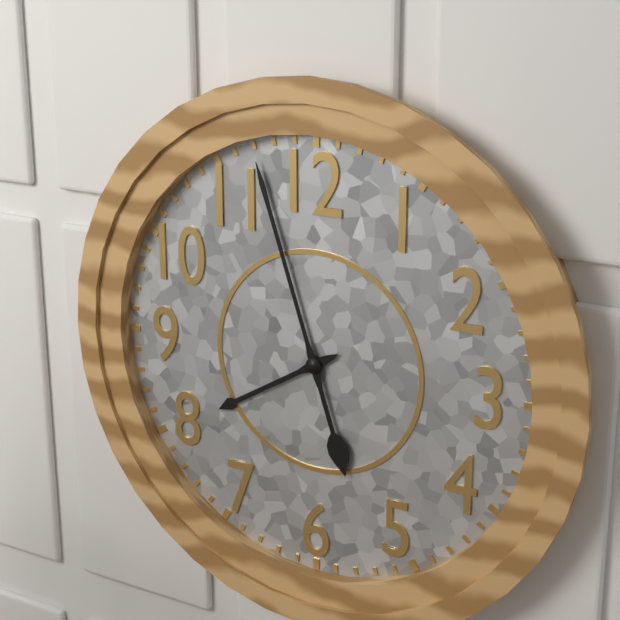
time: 7:57
